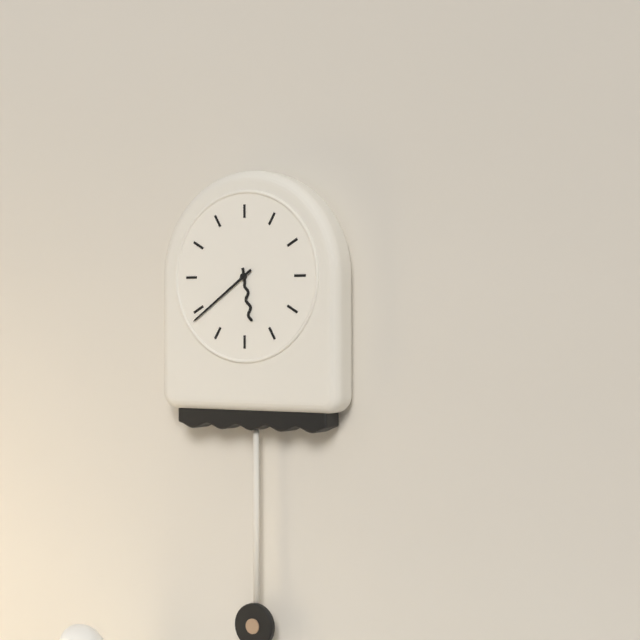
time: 5:39
